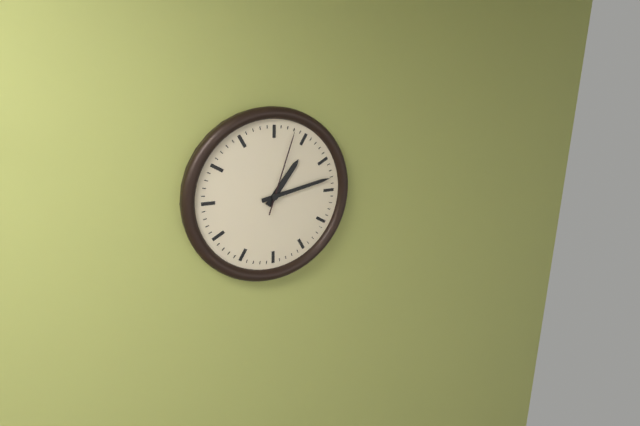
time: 1:13:03
